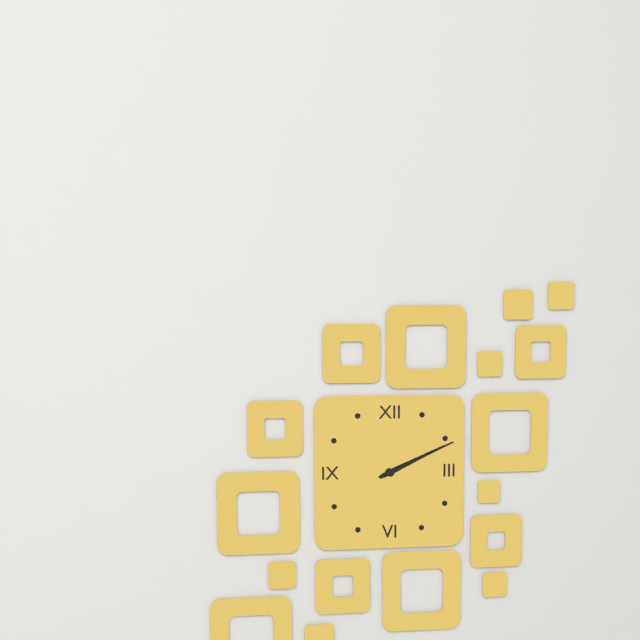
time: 2:11
